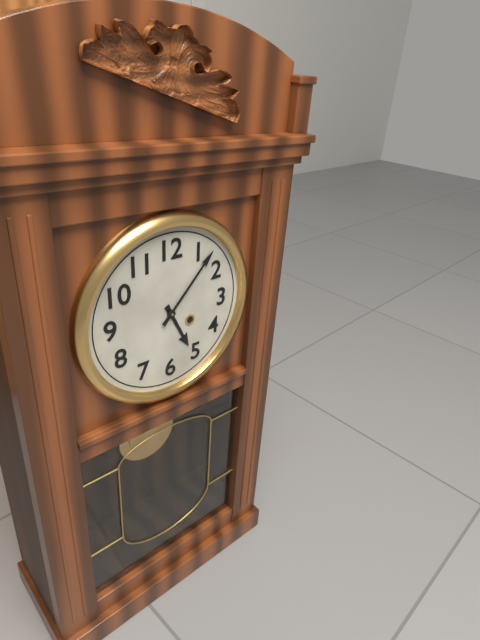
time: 5:07
